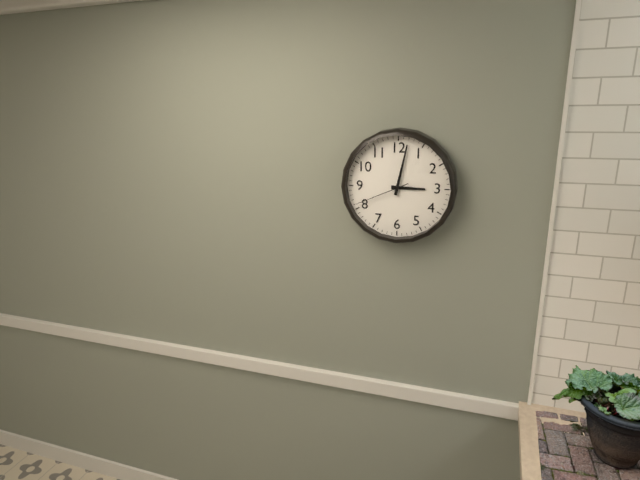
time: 3:02:41
